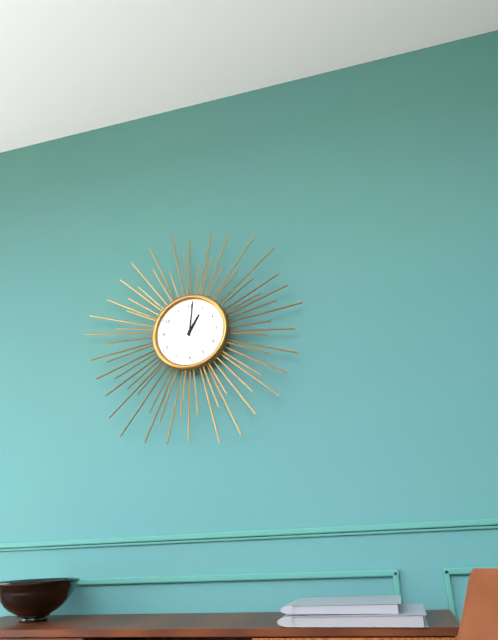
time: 1:01
